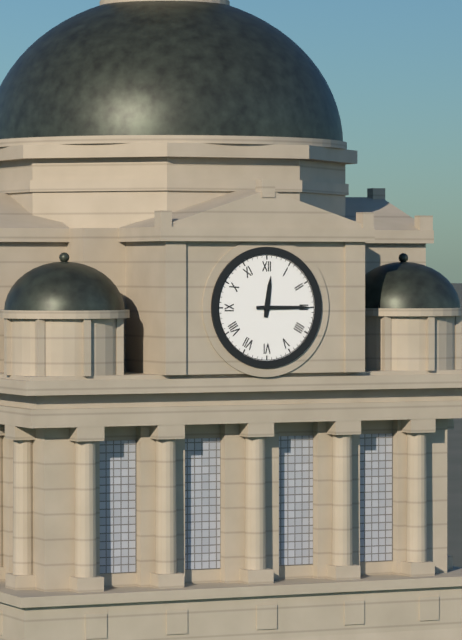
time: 12:15
